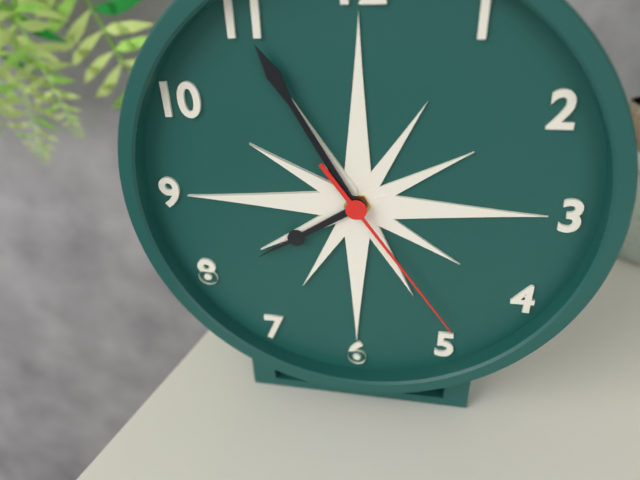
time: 7:55:24
